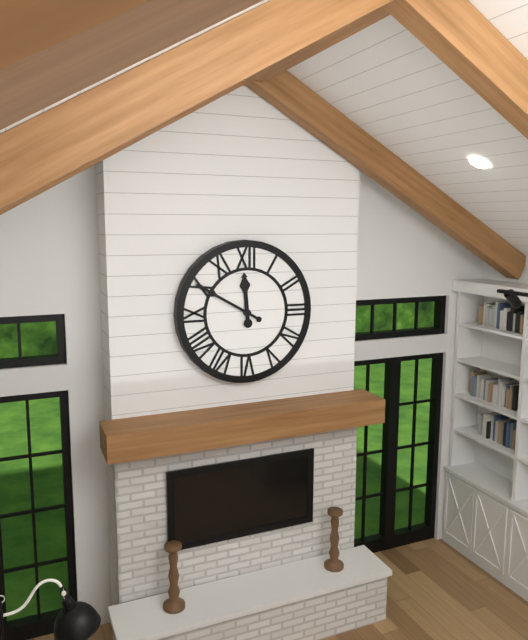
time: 11:50
